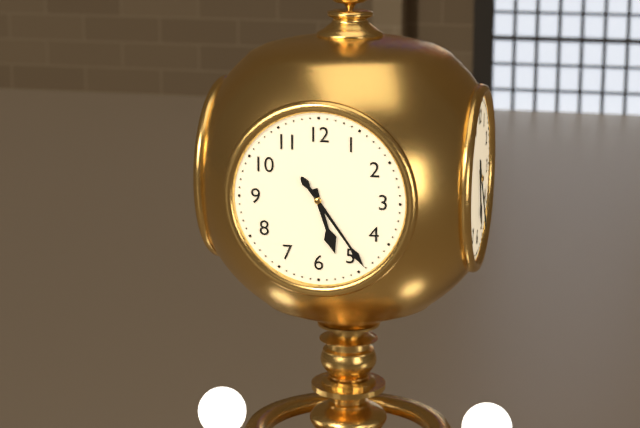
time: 5:24
